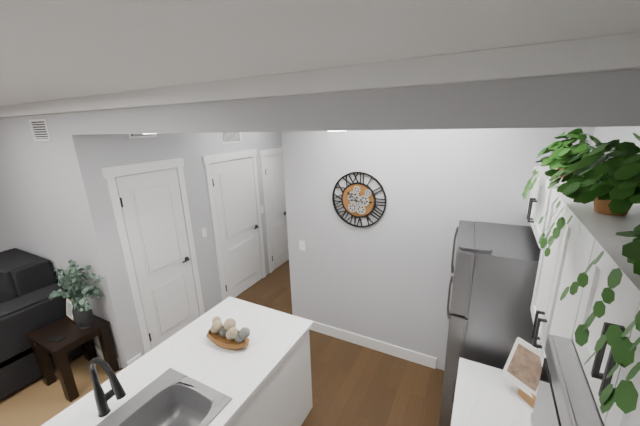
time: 10:15
